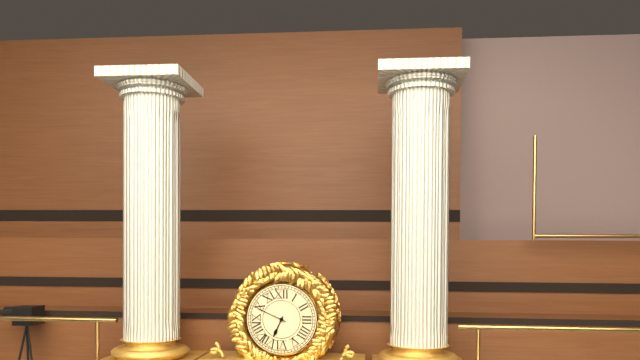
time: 6:49
